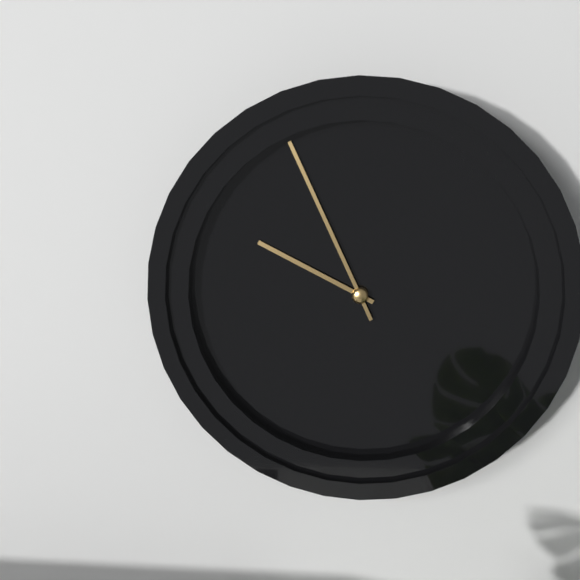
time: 9:56
